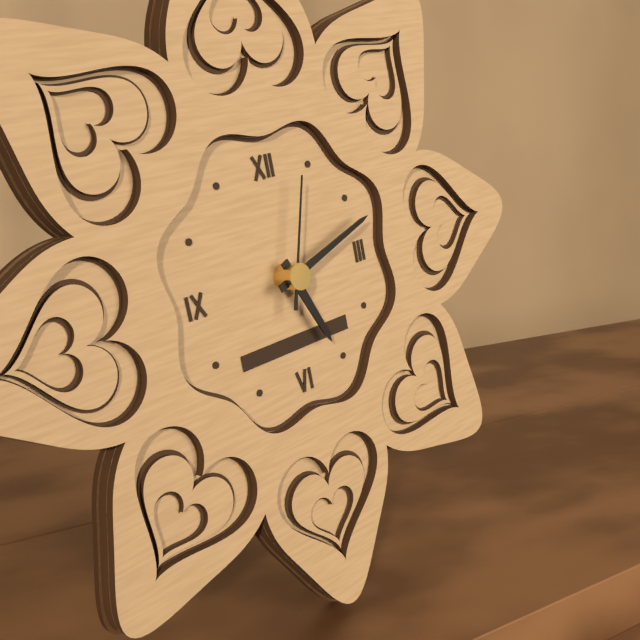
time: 5:12:03
